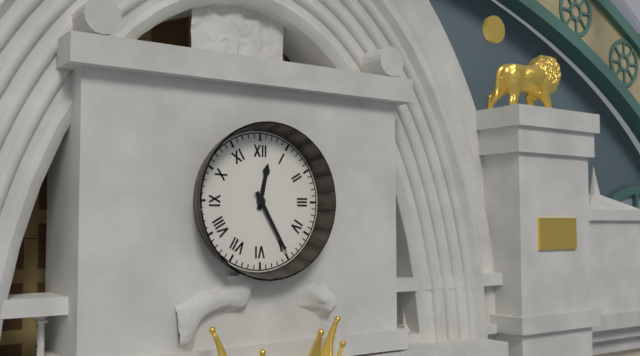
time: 12:25
